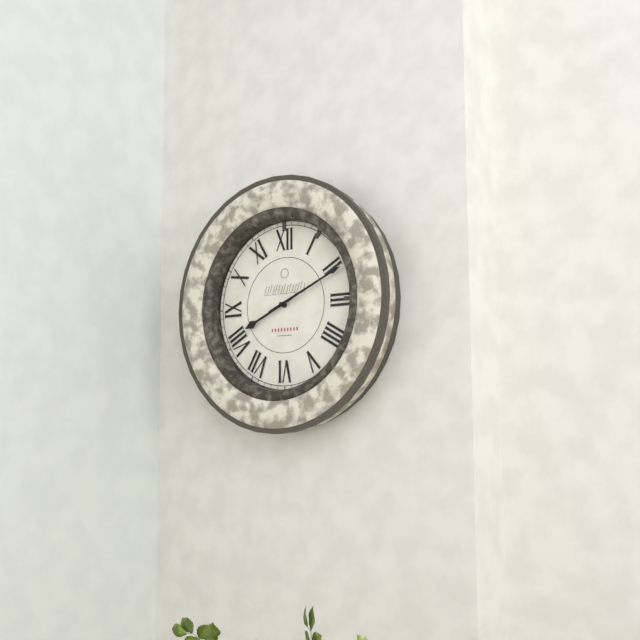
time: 8:11
